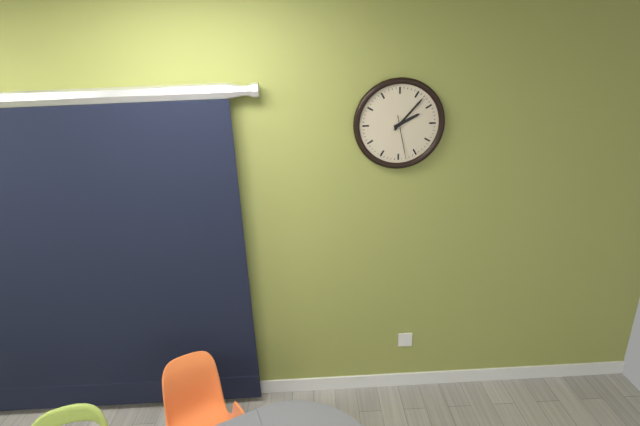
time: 2:07
